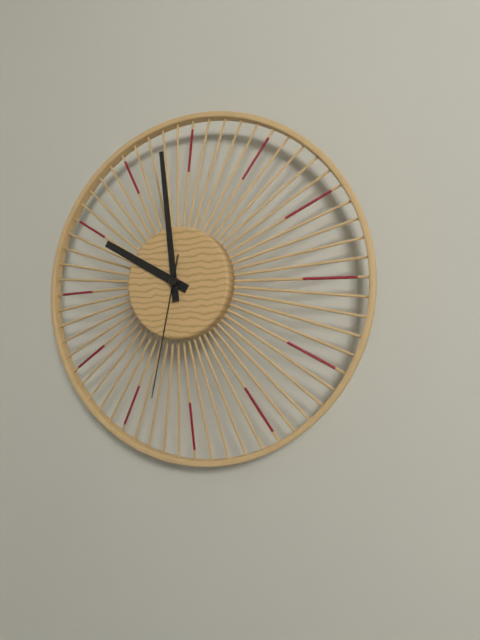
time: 9:59:32
